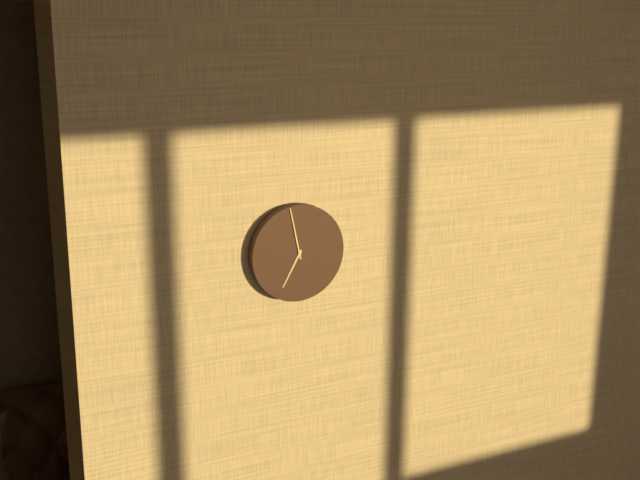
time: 6:58
